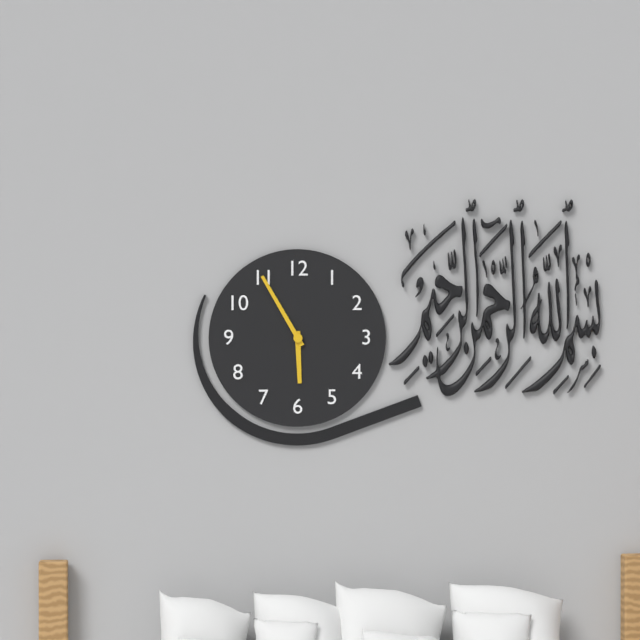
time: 5:55
